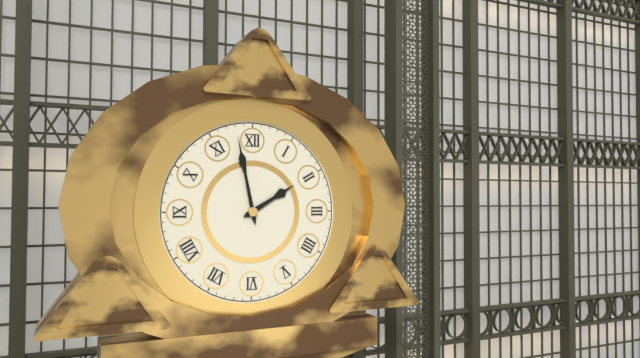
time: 1:58
